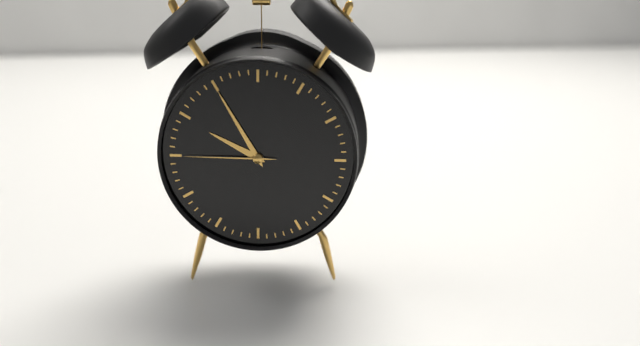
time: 9:55:45
